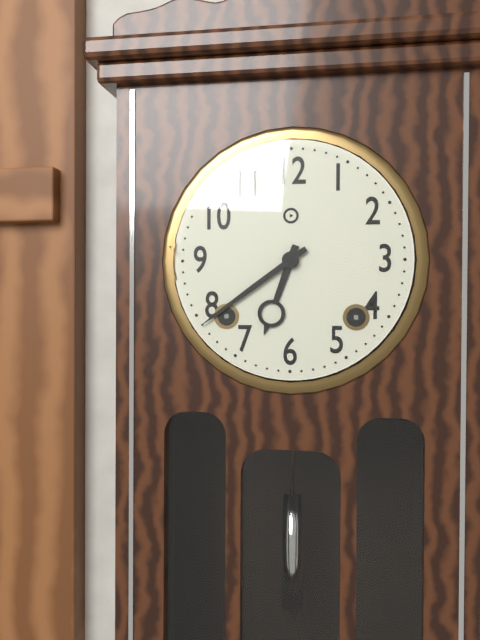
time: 6:39
